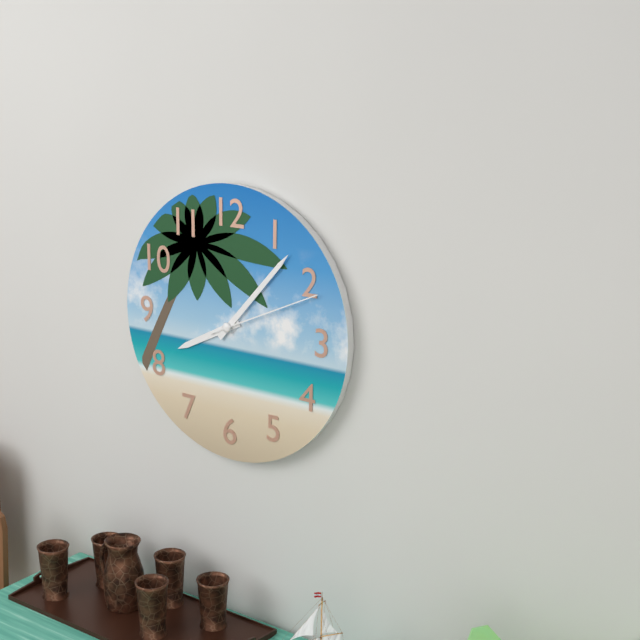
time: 8:07:11
